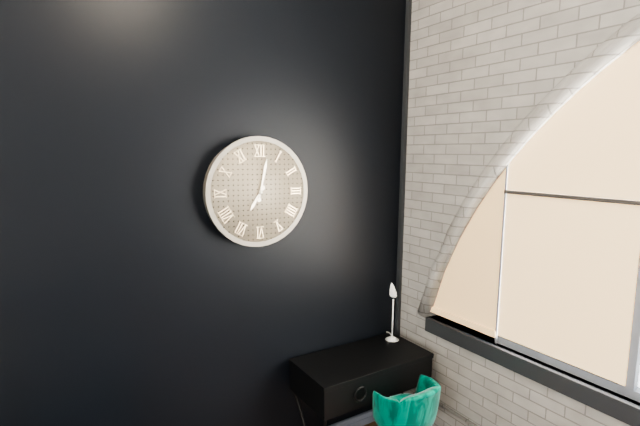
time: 7:02
